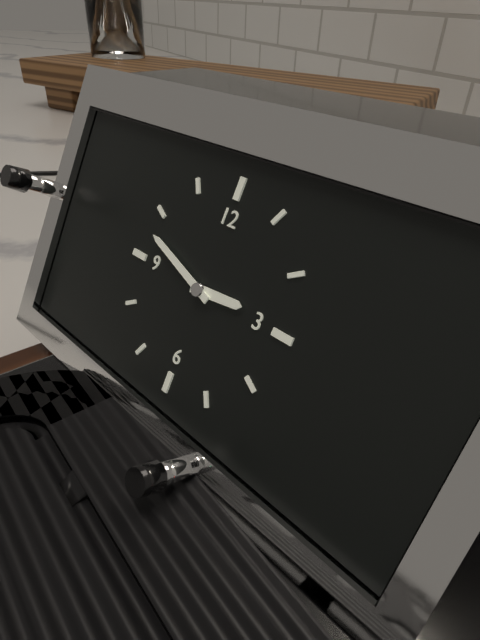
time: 2:48
